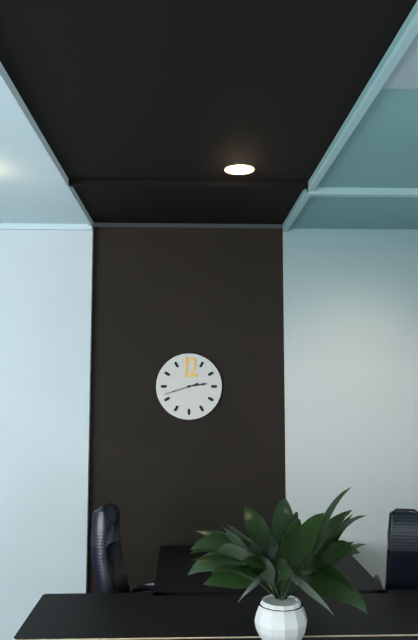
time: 2:42
